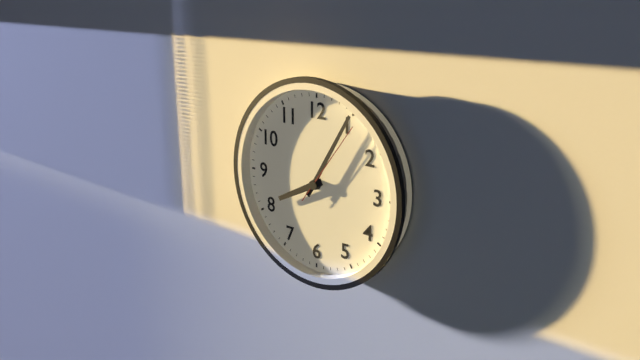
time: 8:05:06
